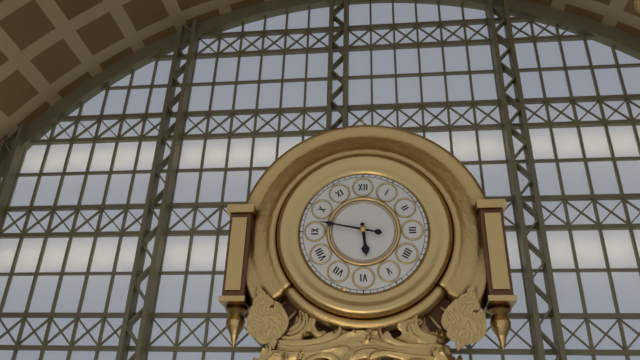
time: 5:47
